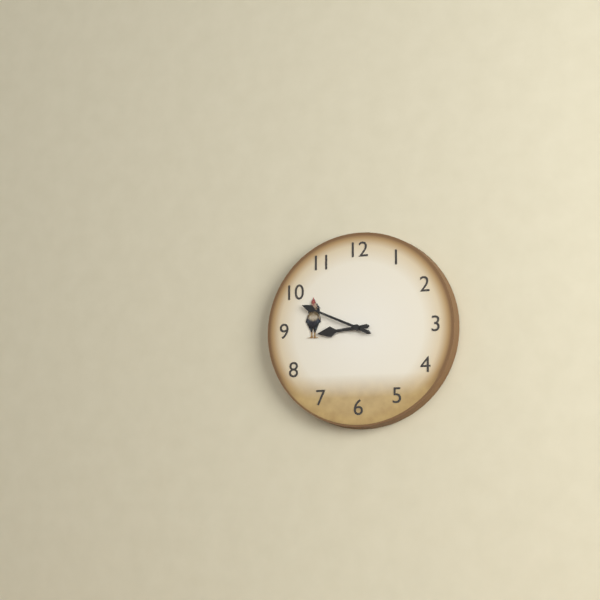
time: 8:49
